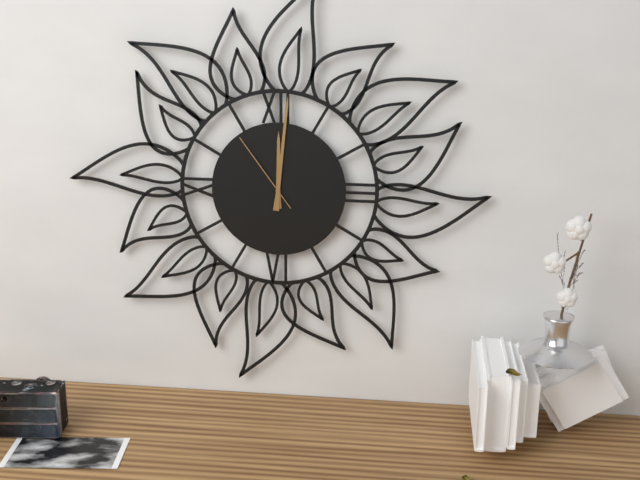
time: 12:01:54
